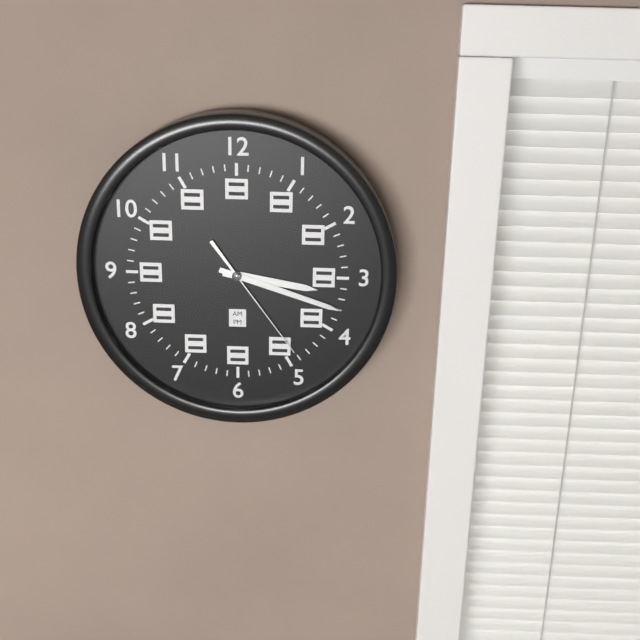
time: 3:18:24
